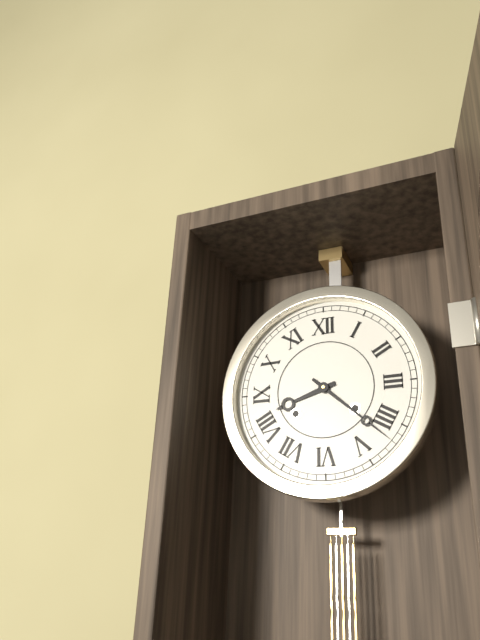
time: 8:22
